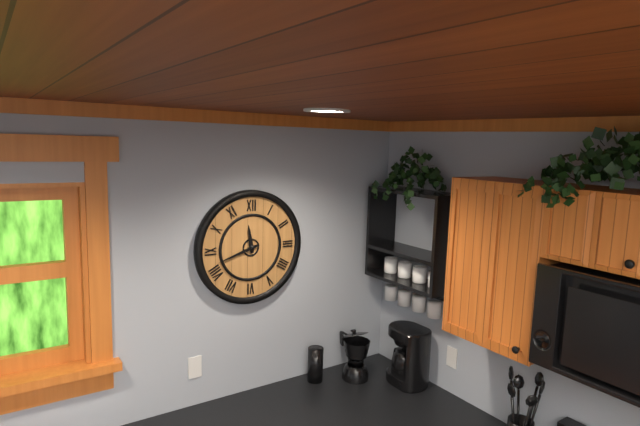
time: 11:42
